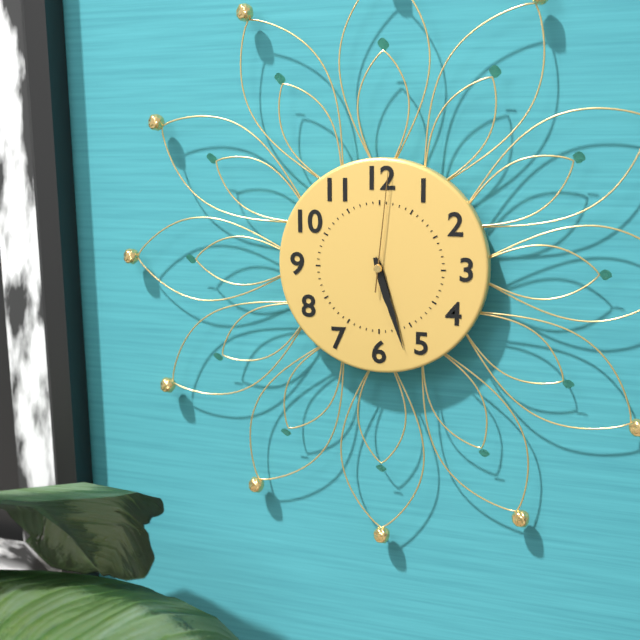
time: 5:27:01
